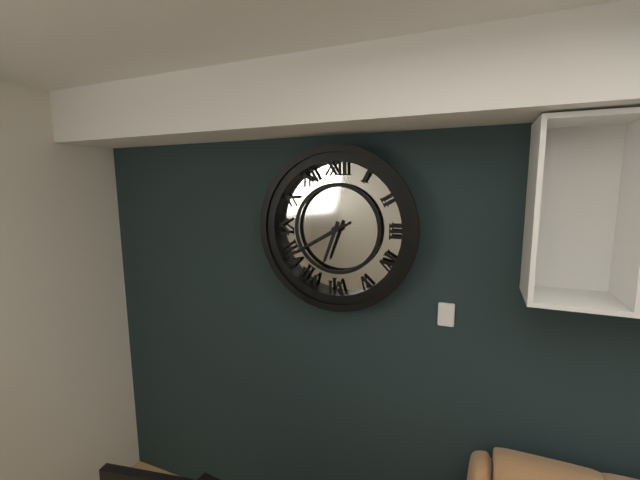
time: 6:40
